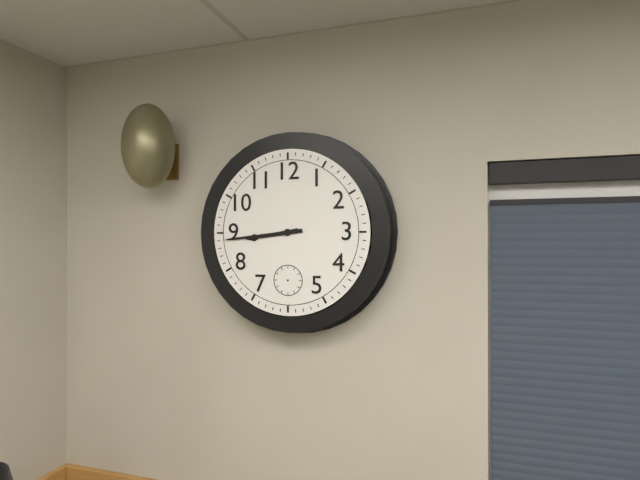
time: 8:44
